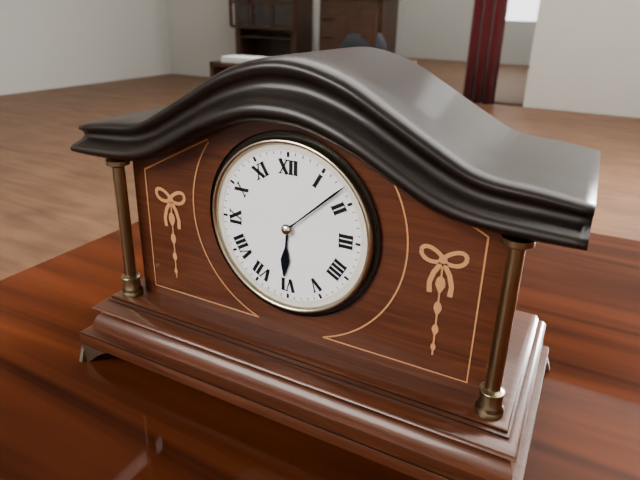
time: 6:08
